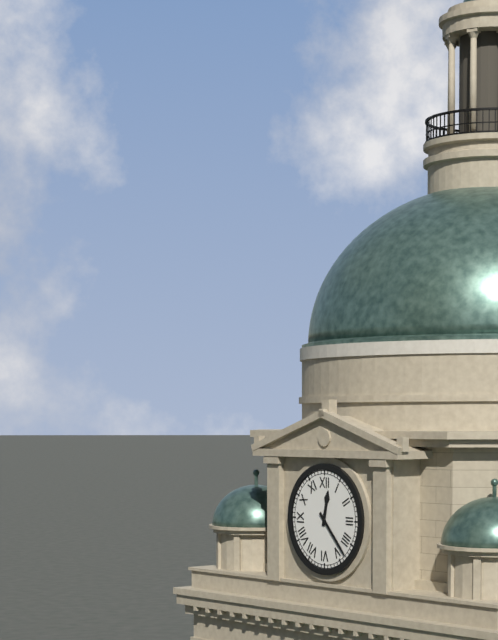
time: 12:23
